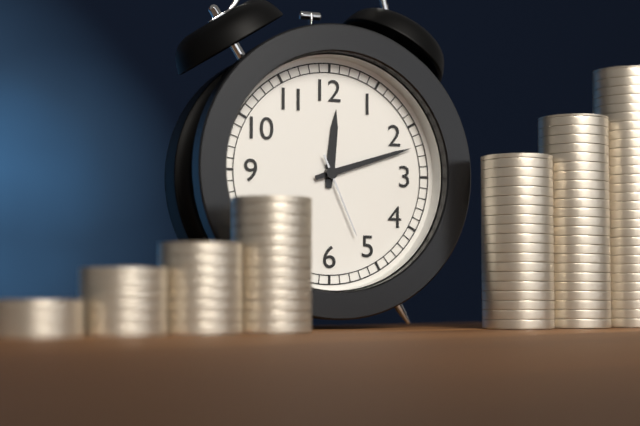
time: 12:12:26
